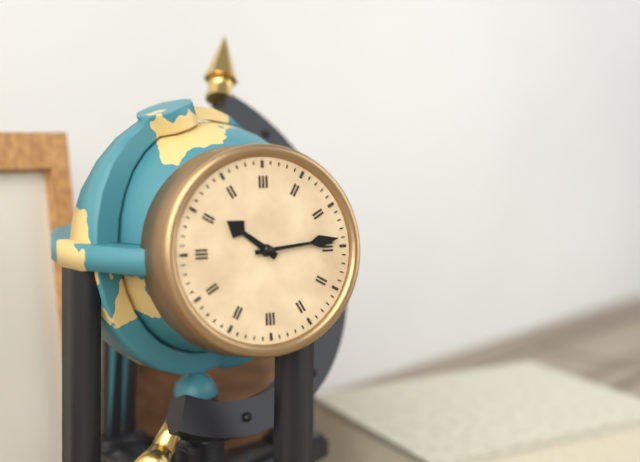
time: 10:14
